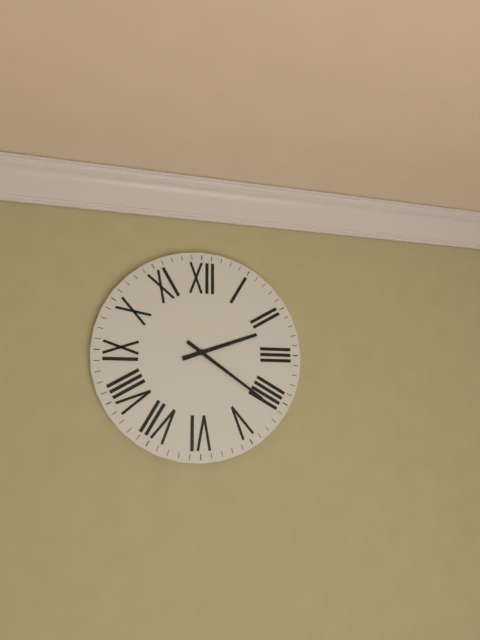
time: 2:21
